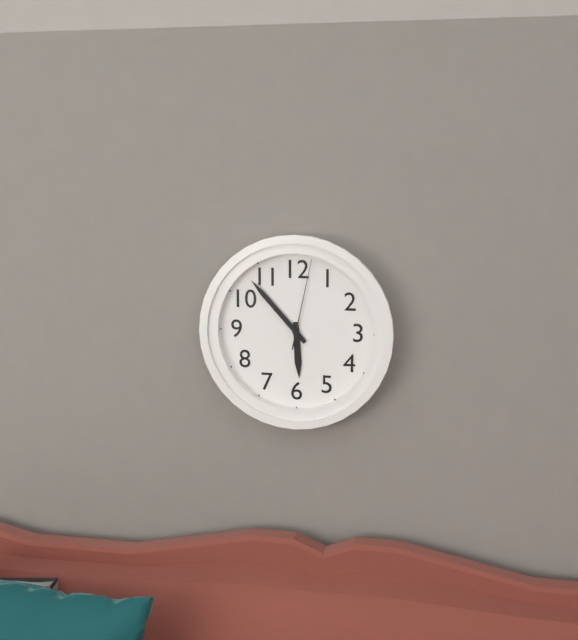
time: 5:53:02
